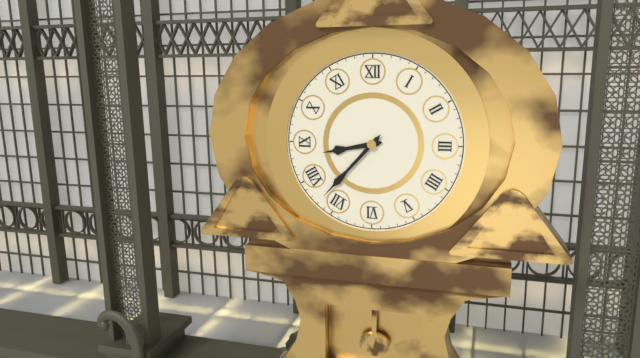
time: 8:37
